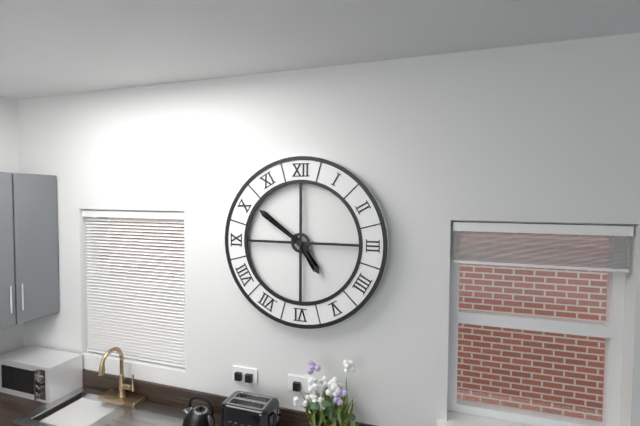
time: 4:51
